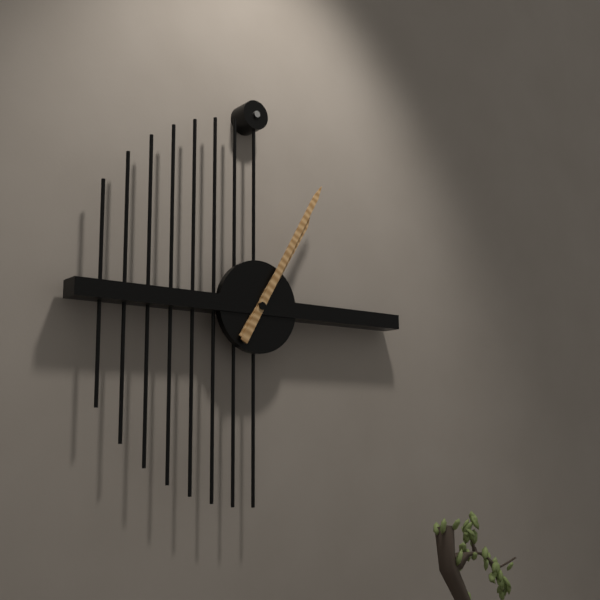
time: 1:05
